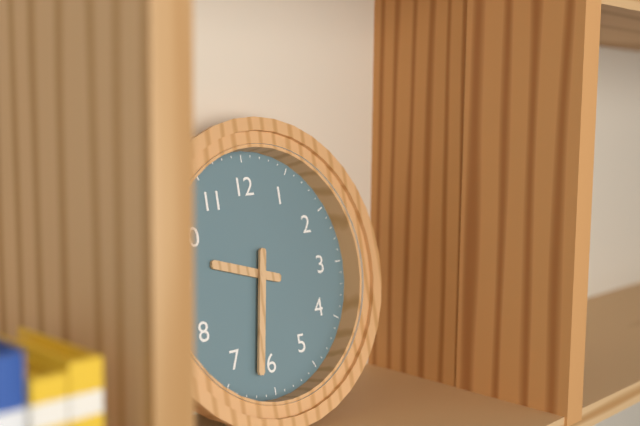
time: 9:32
